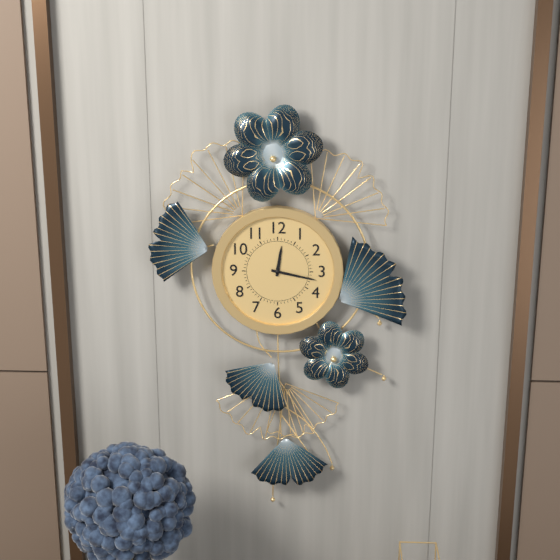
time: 12:17
